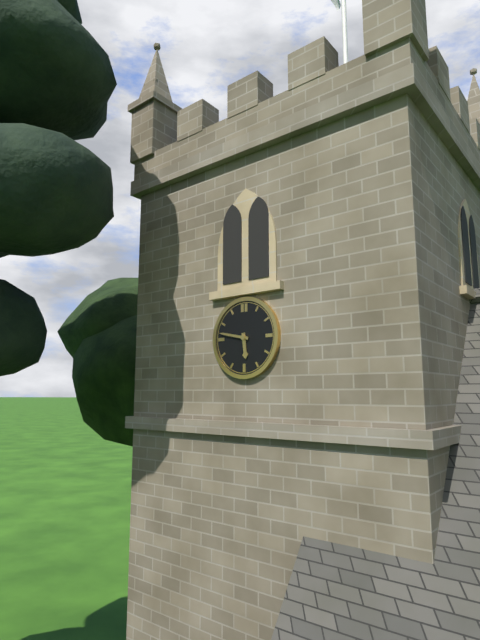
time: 5:47
